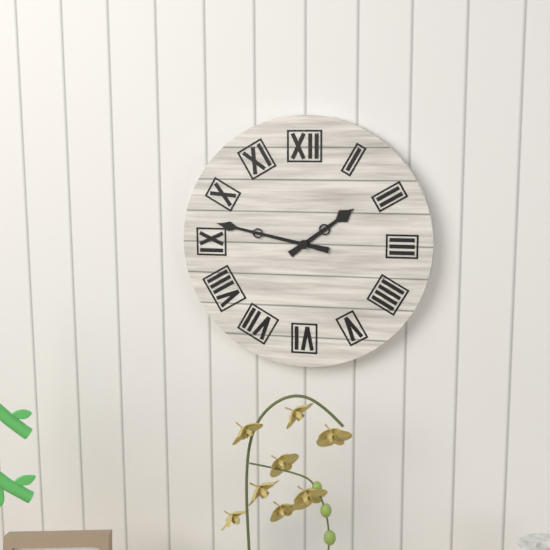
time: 1:47
